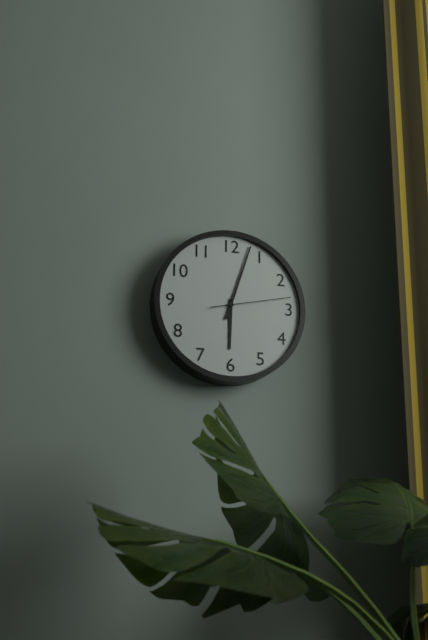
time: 6:03:13
